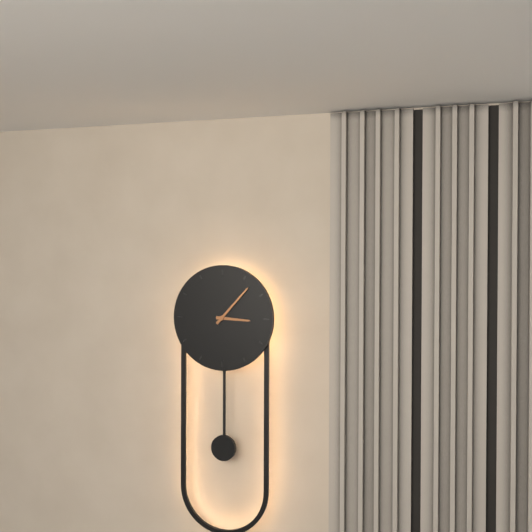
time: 3:07
